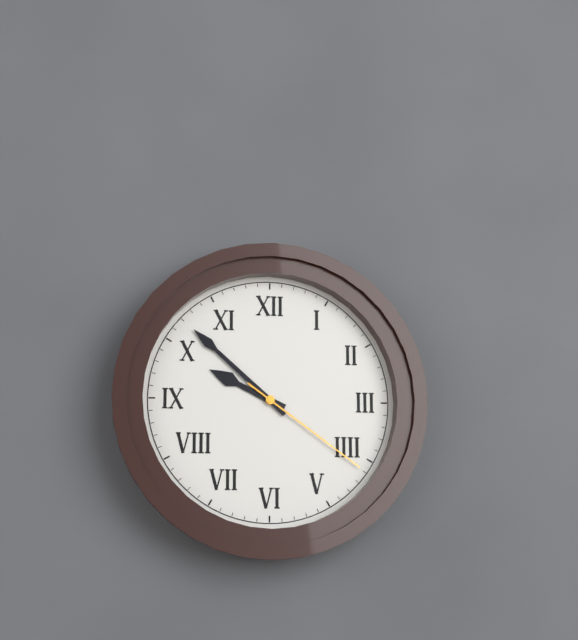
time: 9:52:21
